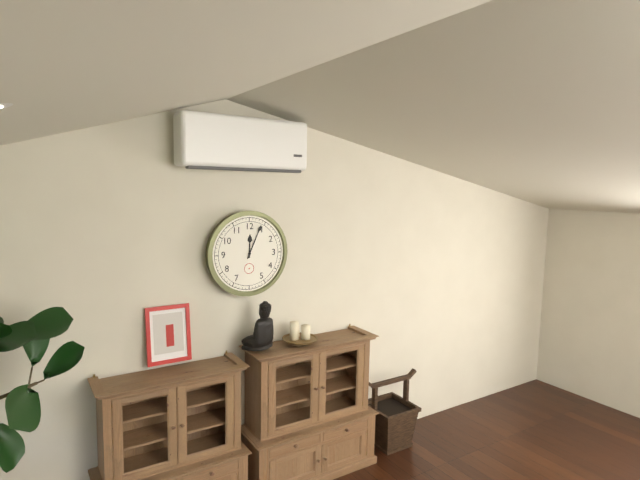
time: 12:04
